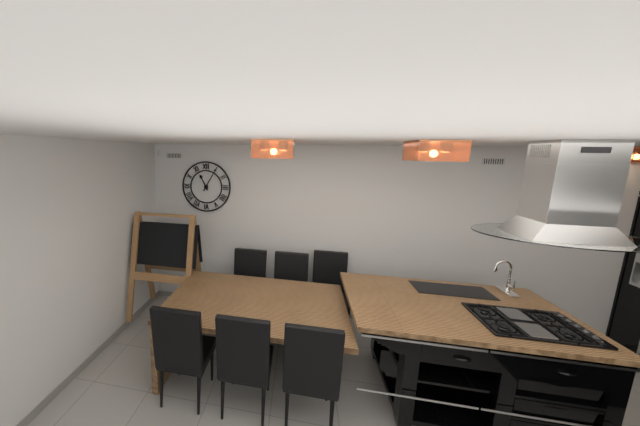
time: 11:05
